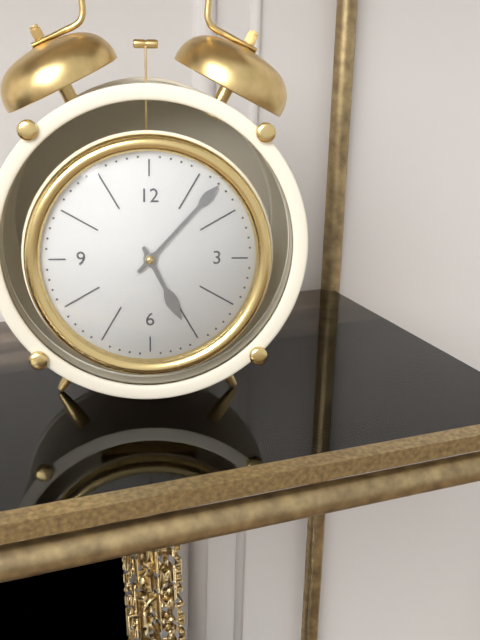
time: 5:07
